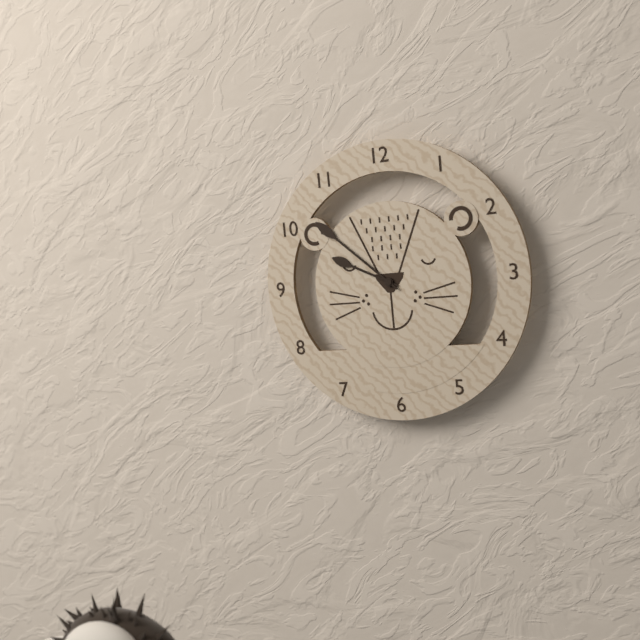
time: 9:52
